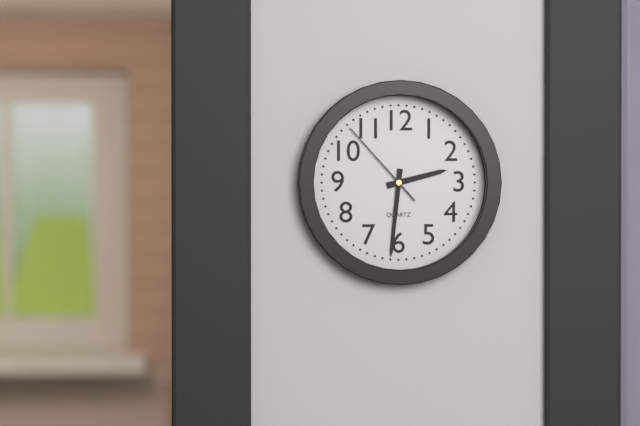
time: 2:31:53
